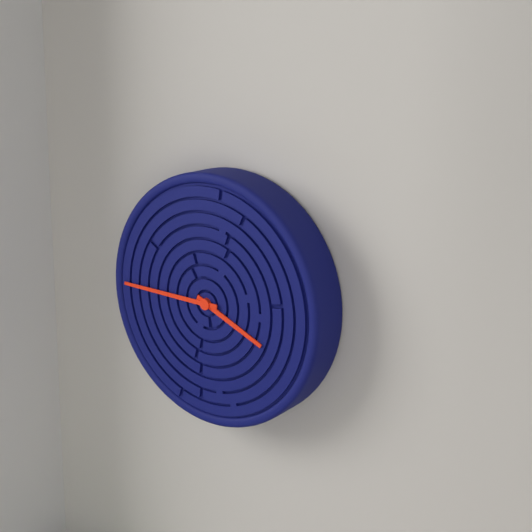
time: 3:45
